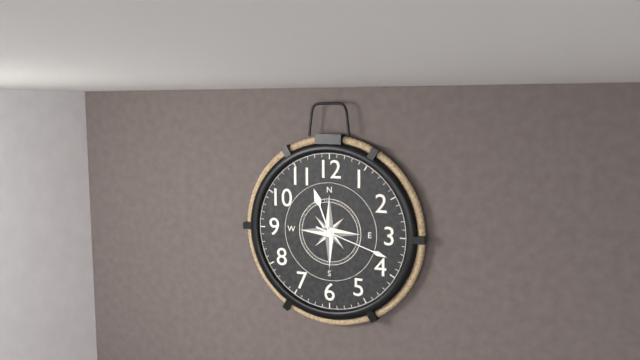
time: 11:18
